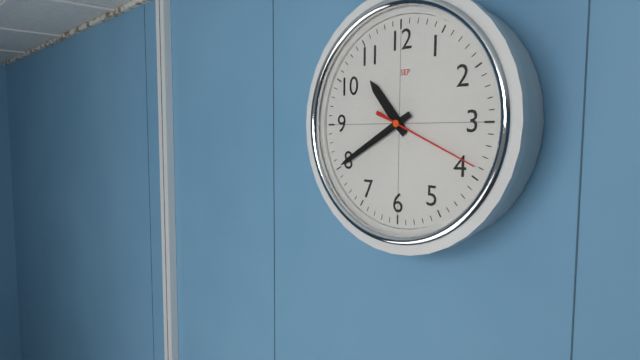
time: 10:40:19
